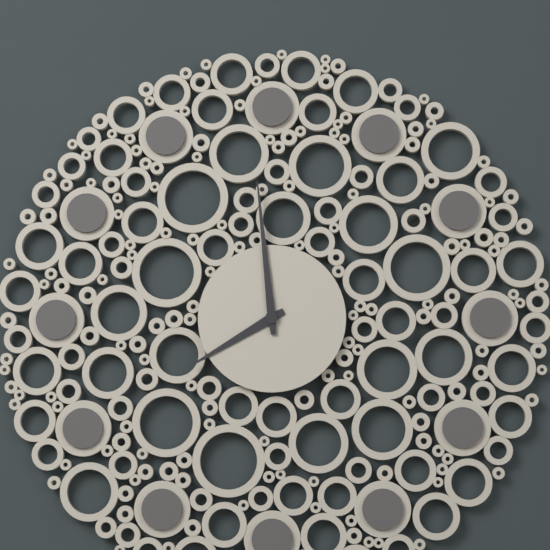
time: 7:59
